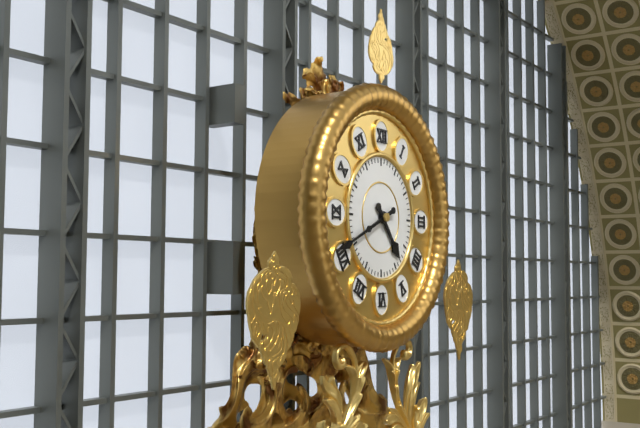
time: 4:41
